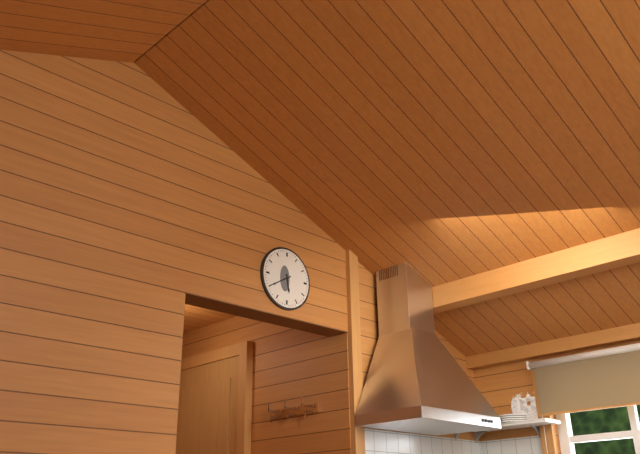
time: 5:40
